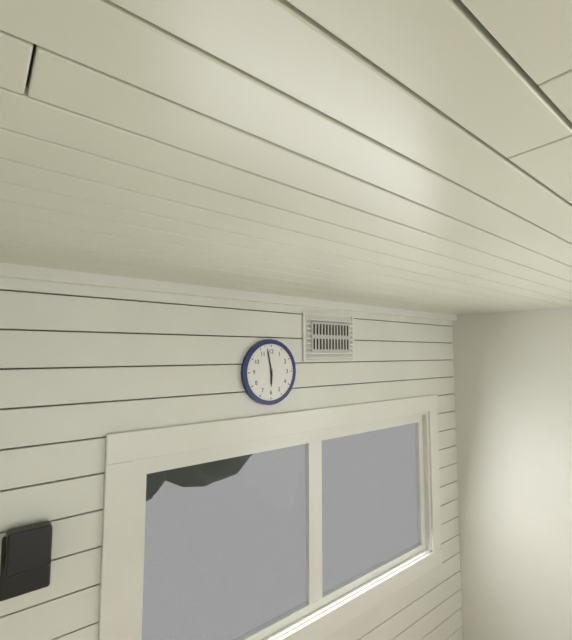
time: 5:58
